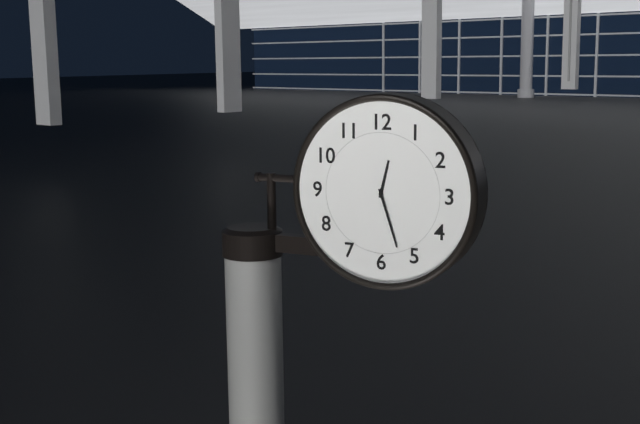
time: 12:27
